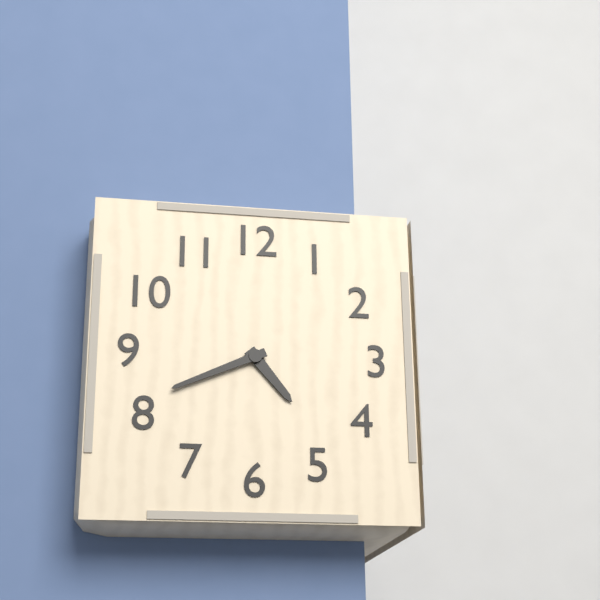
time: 4:41
